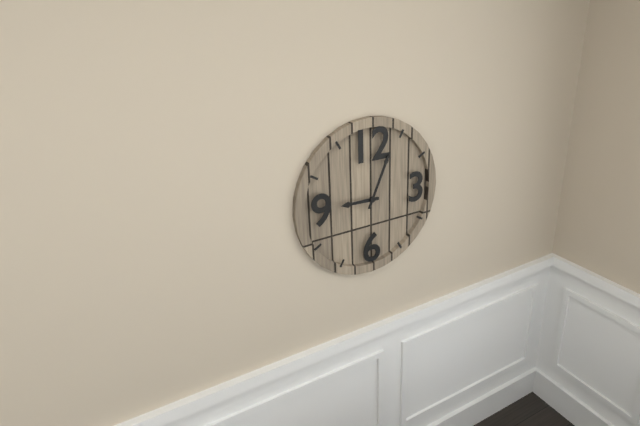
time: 9:04
